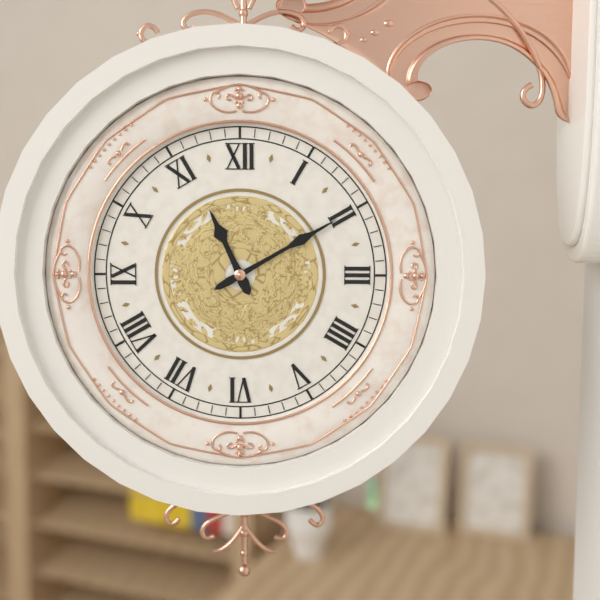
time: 11:10
